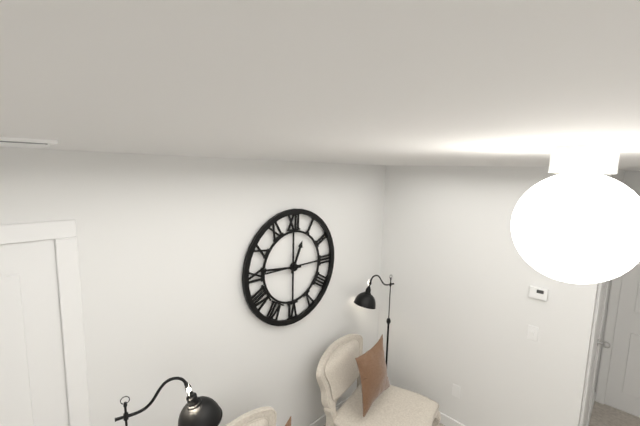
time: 12:46
